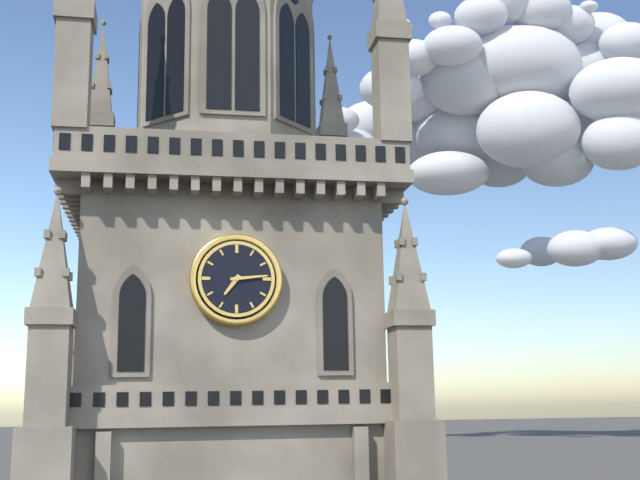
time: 7:14
